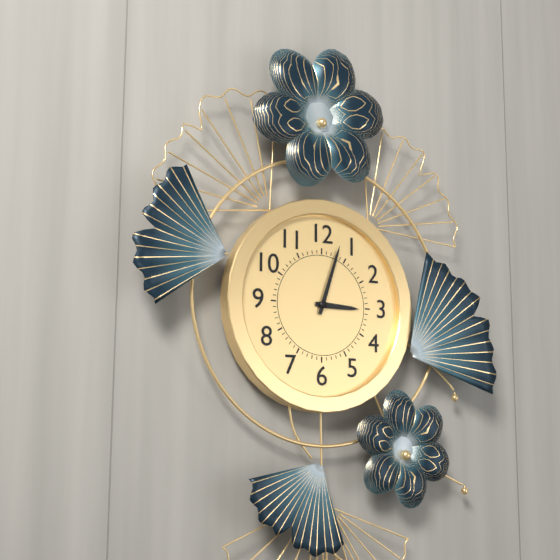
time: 3:03
